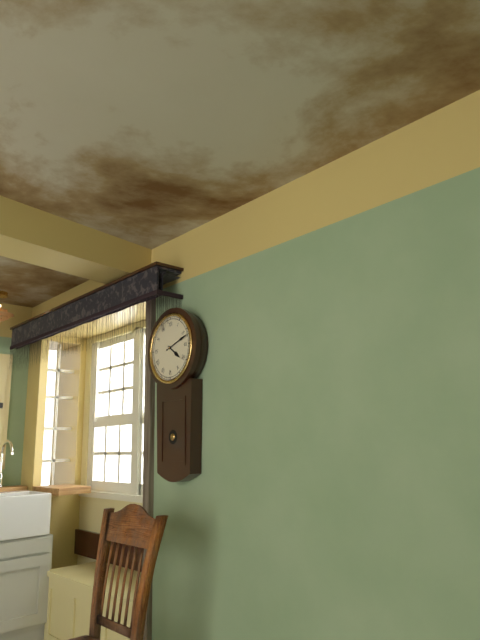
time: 4:12
